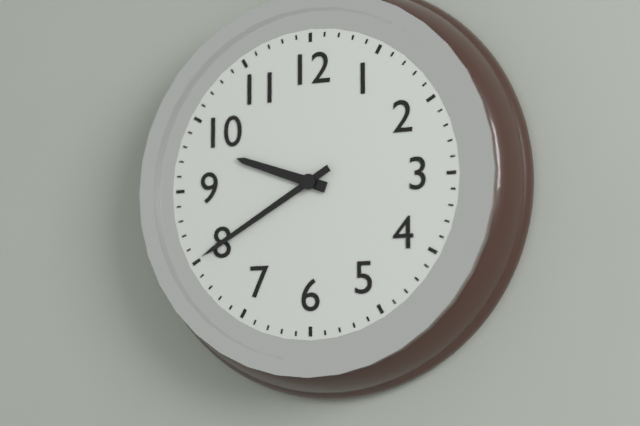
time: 9:40
